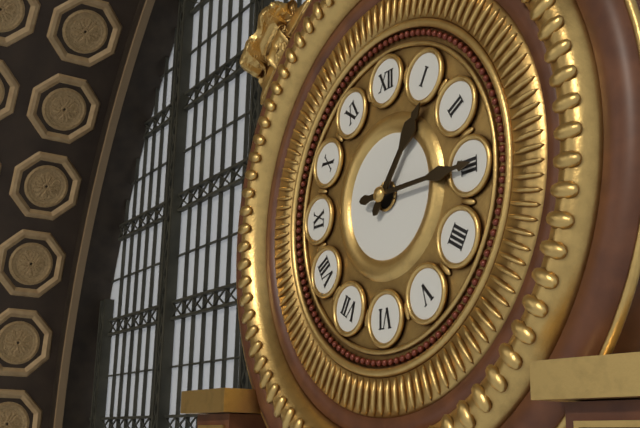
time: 1:15
